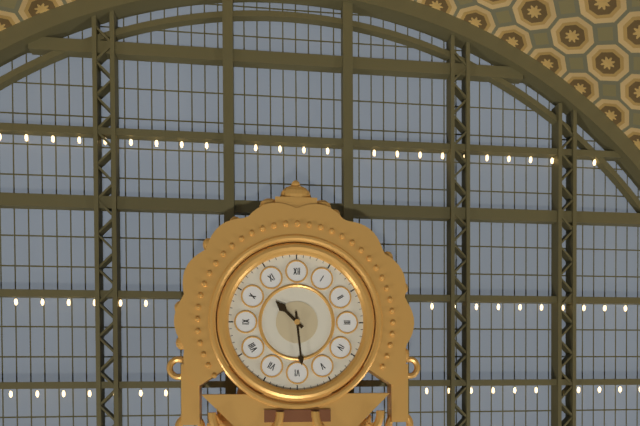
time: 10:29
